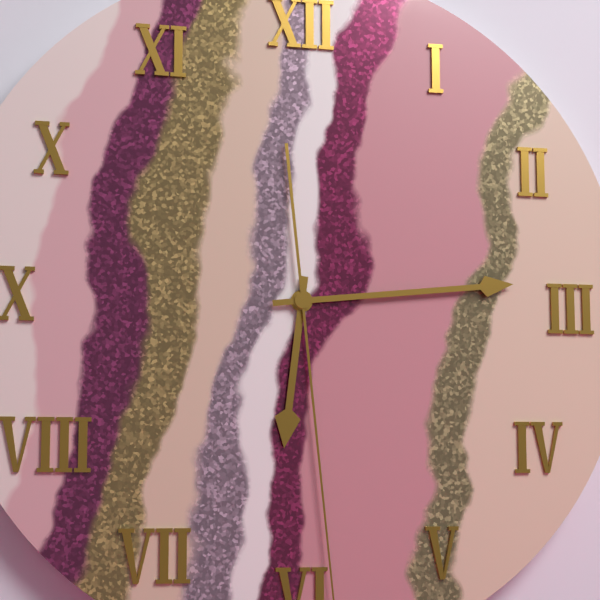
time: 6:14
